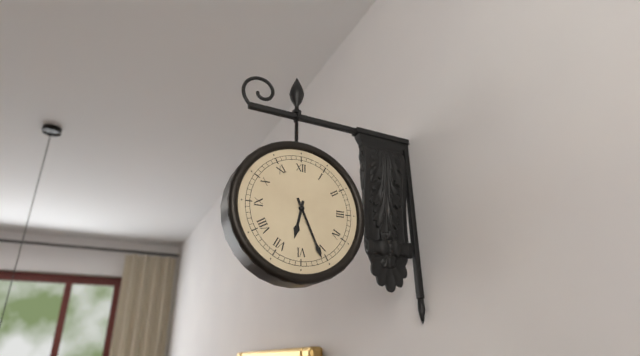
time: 6:26
